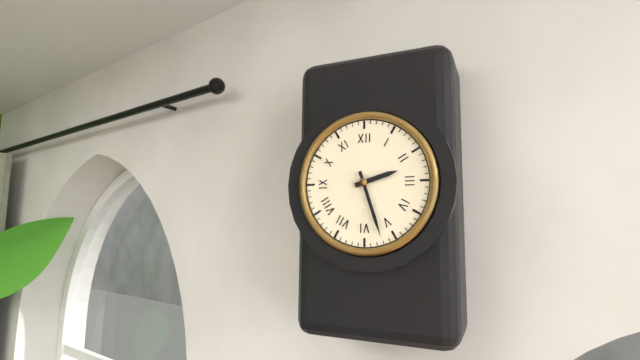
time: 2:27
